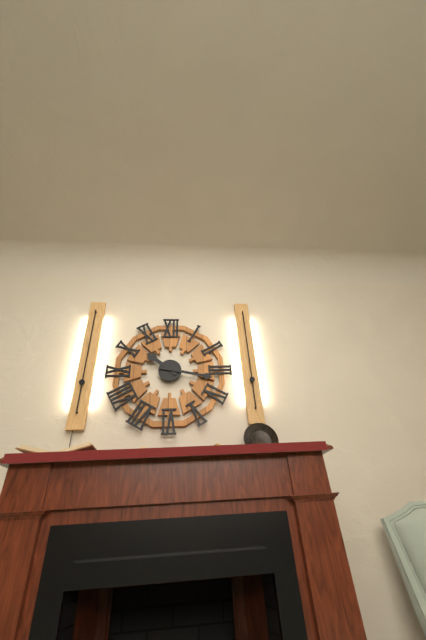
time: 10:17
